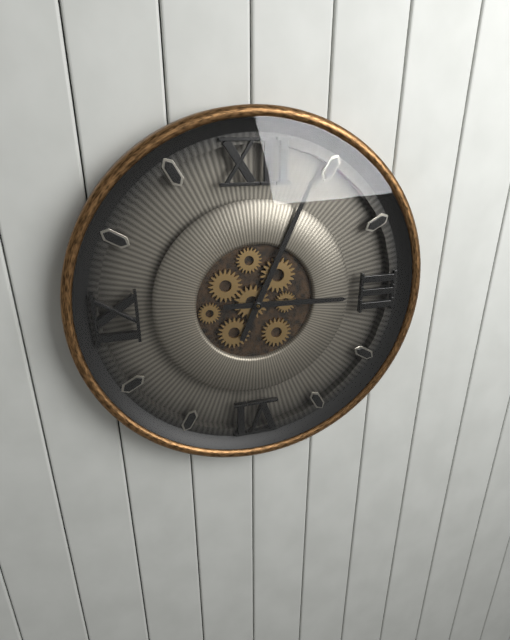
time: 3:04
